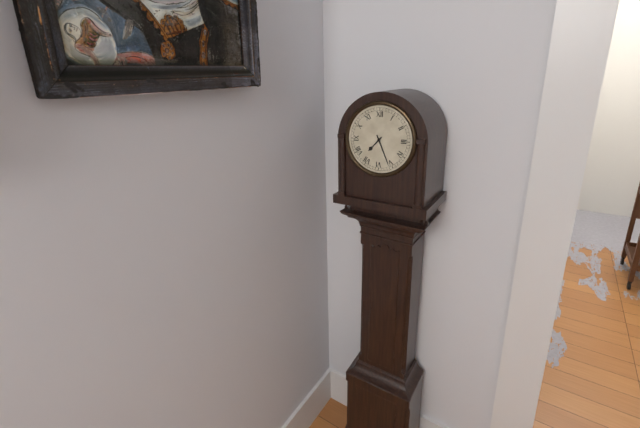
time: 7:26
